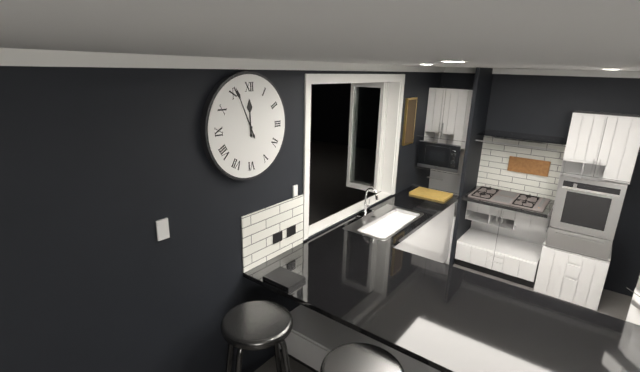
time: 11:56
